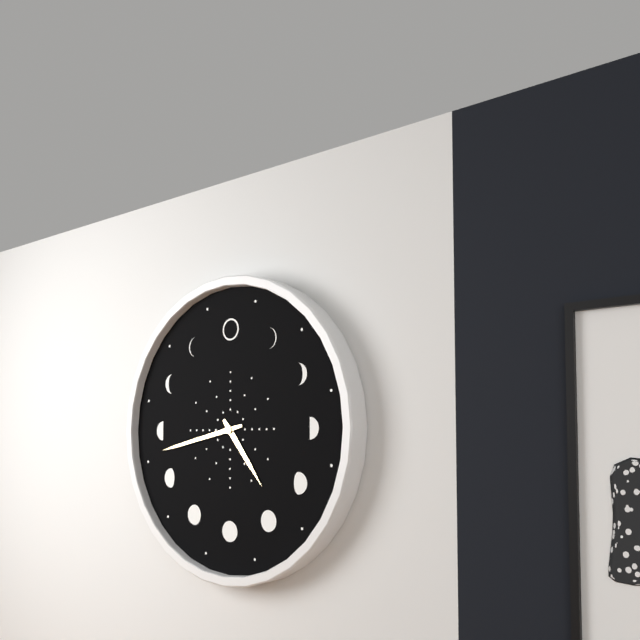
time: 4:43
